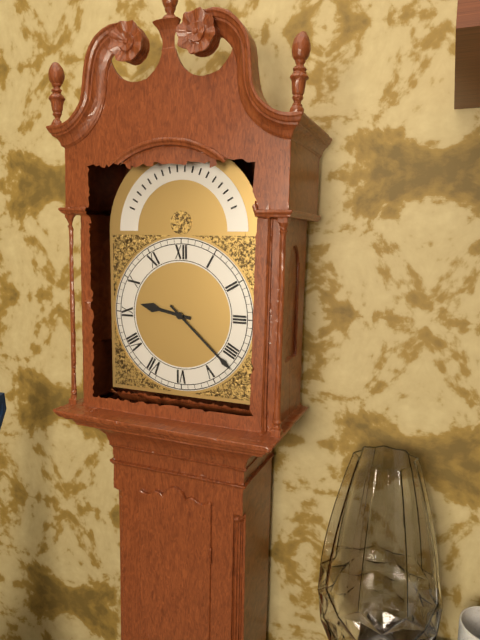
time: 9:22
